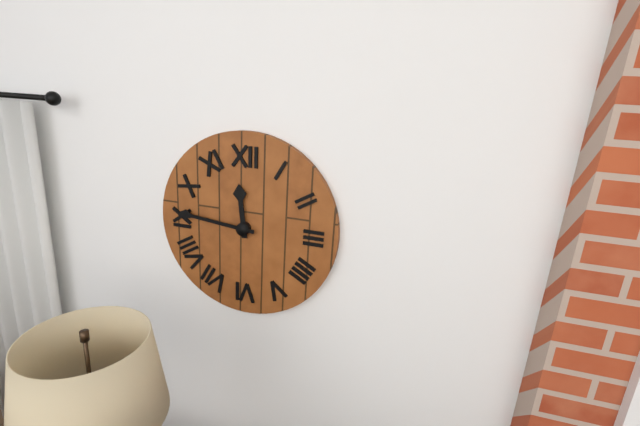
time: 11:46
